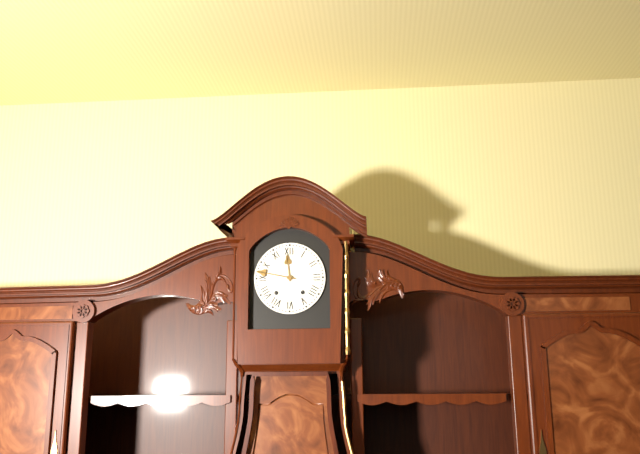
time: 11:47
